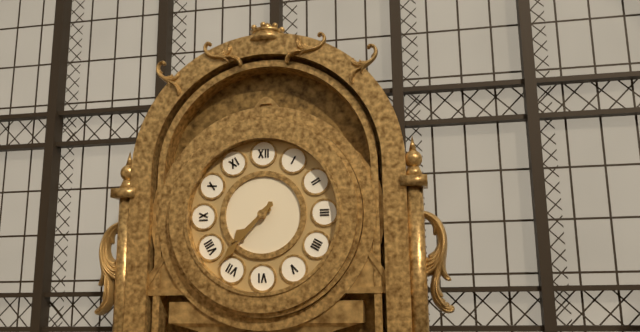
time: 7:37
